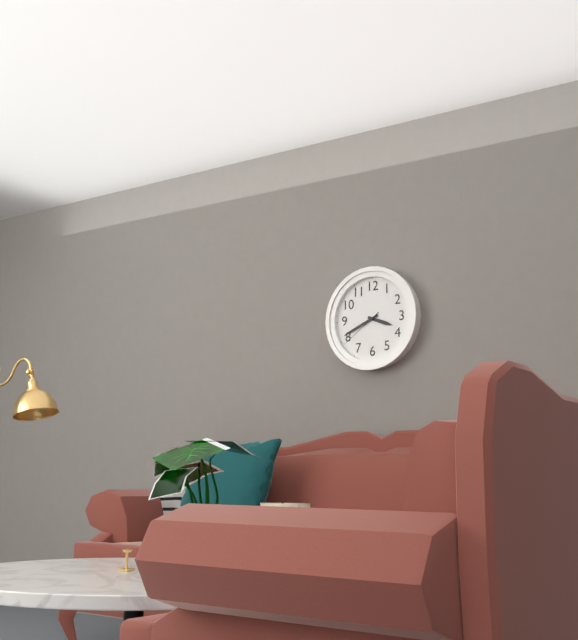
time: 3:41
